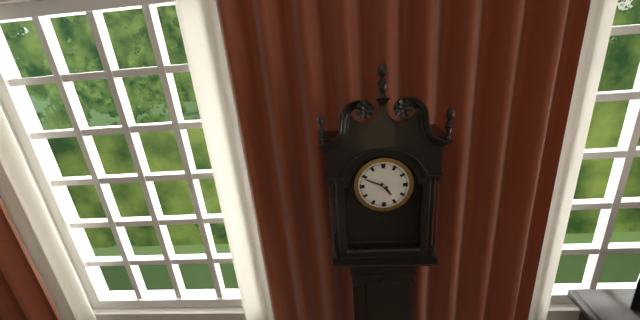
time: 4:49
